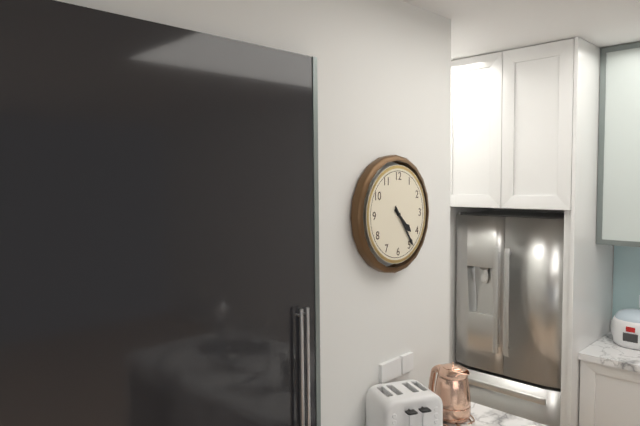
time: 4:24
